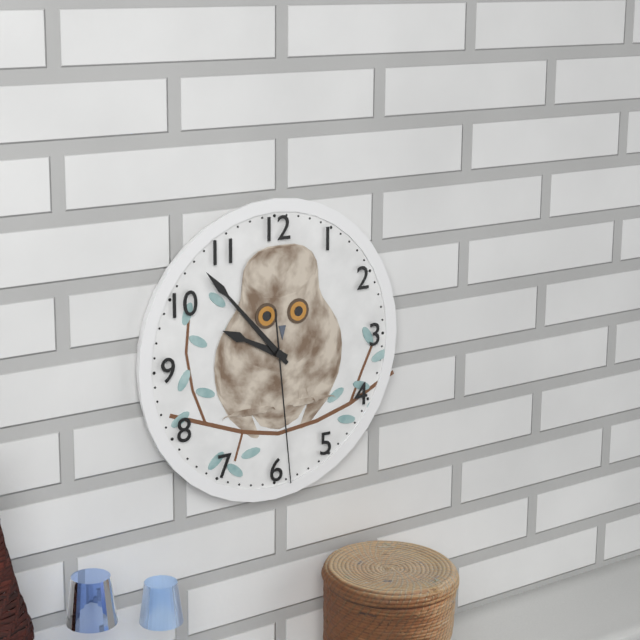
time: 9:53:29
